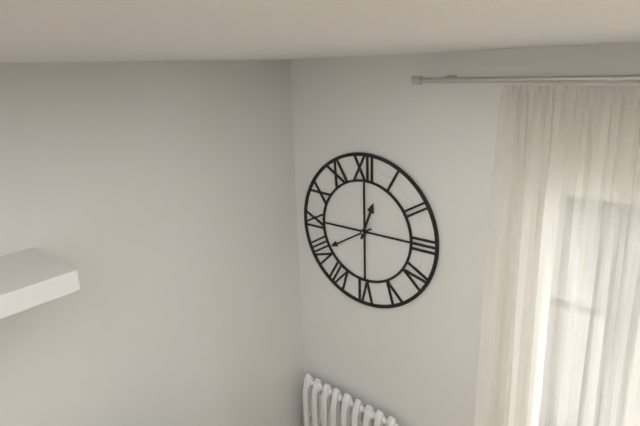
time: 12:40
